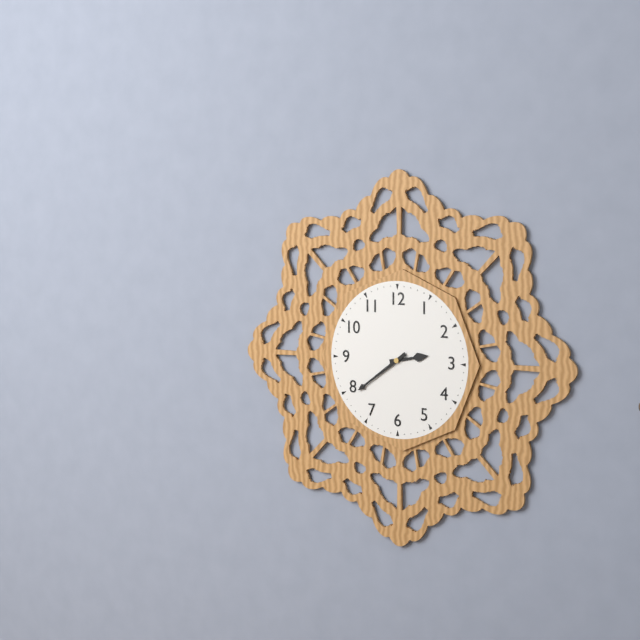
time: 2:39
